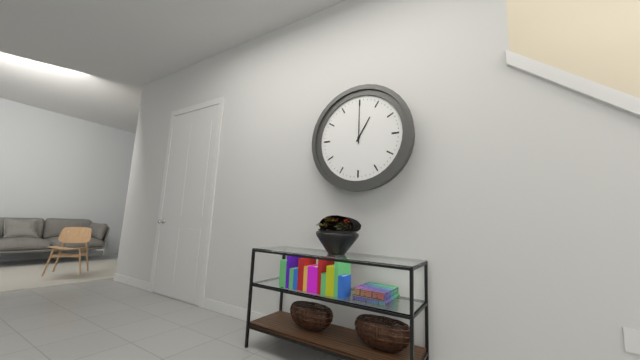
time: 1:00
